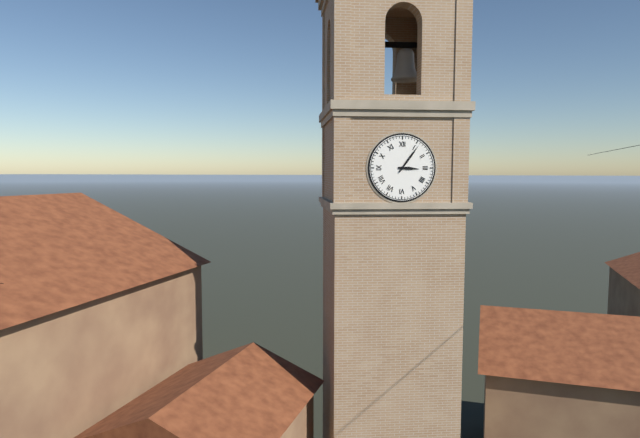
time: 3:06
